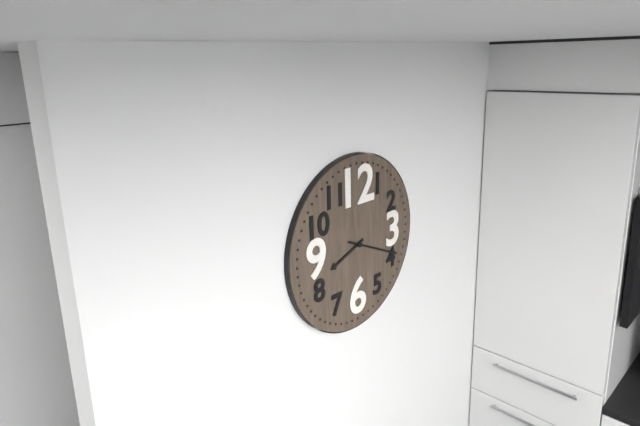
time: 8:19
